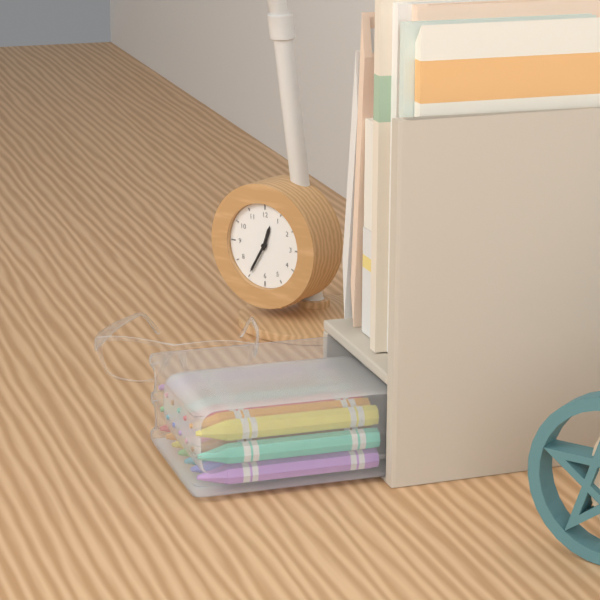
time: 12:35
